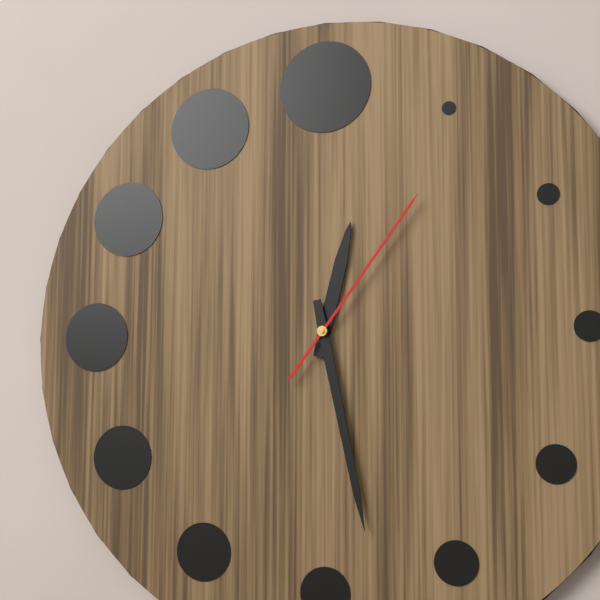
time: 12:28:06
